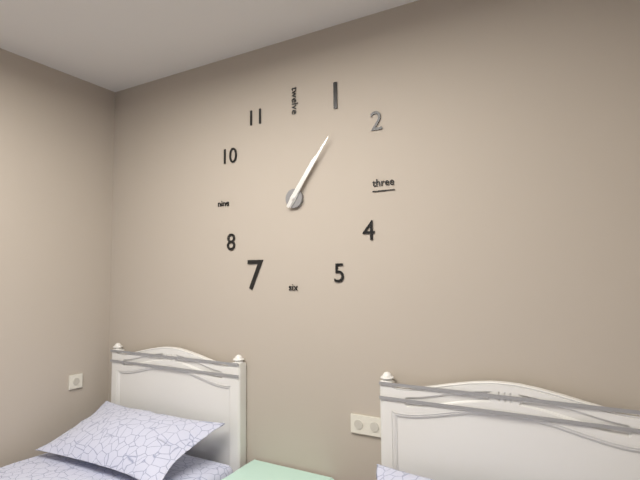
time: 1:06
